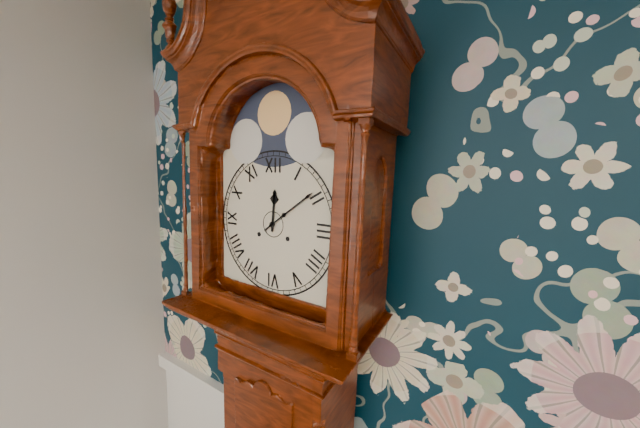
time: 12:09
